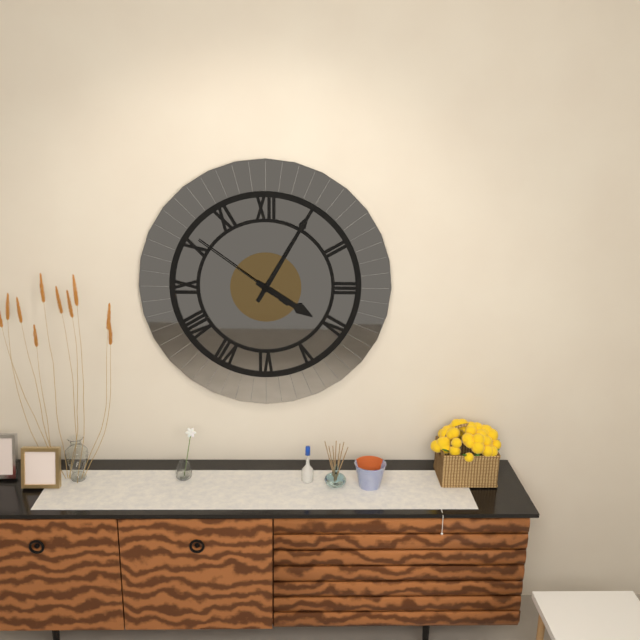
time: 4:05:51
